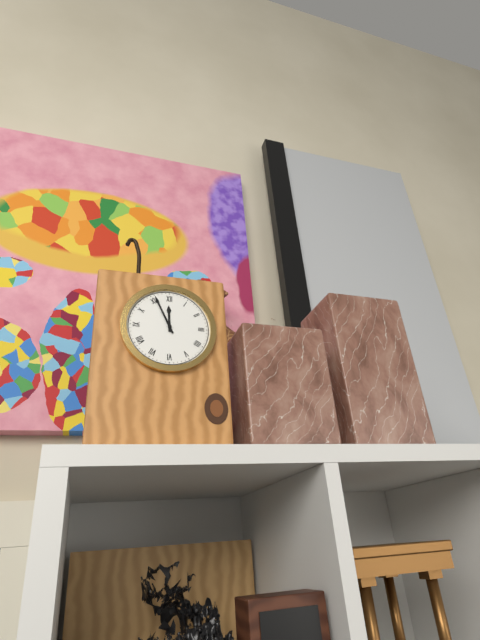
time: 11:56
